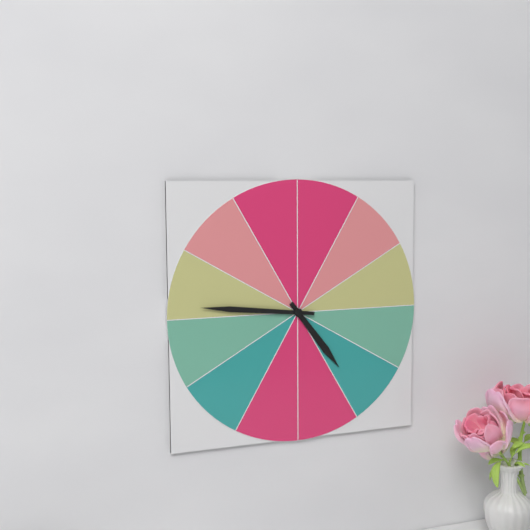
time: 4:46
